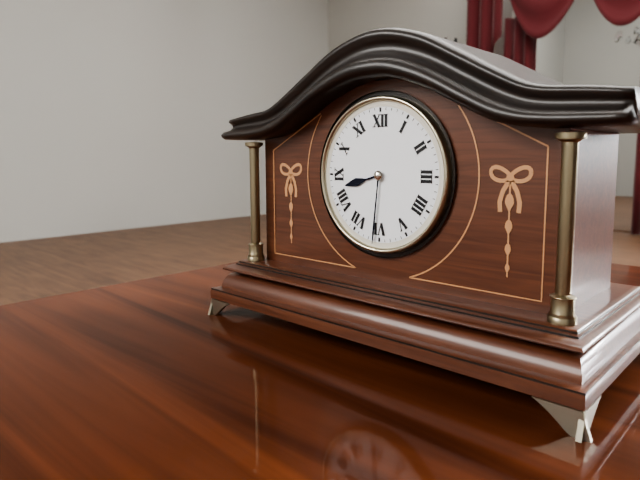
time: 8:31
